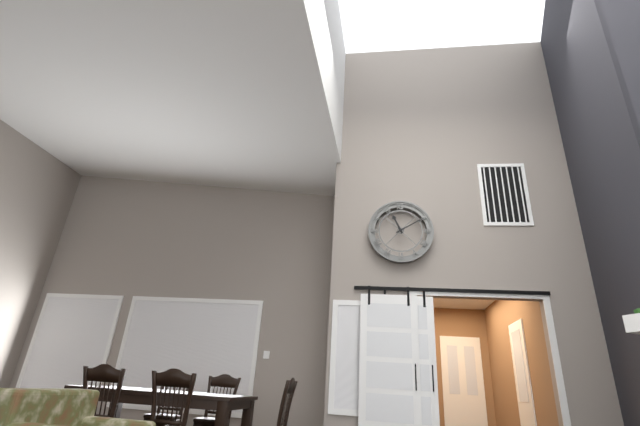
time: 11:10
